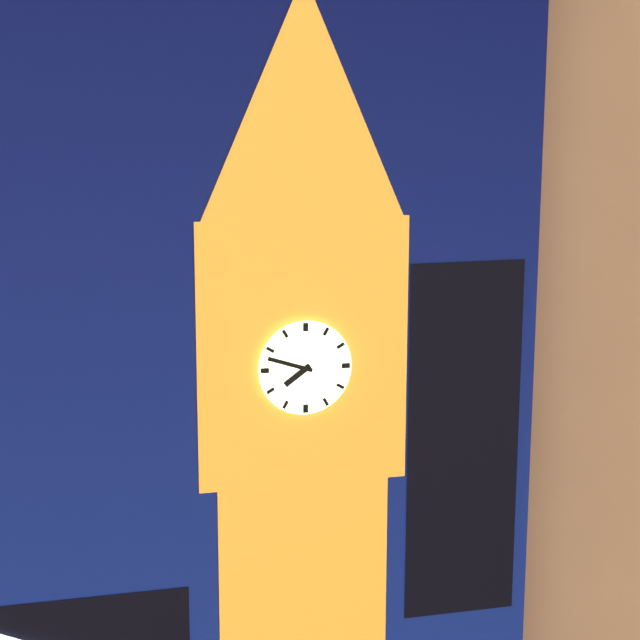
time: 7:48
